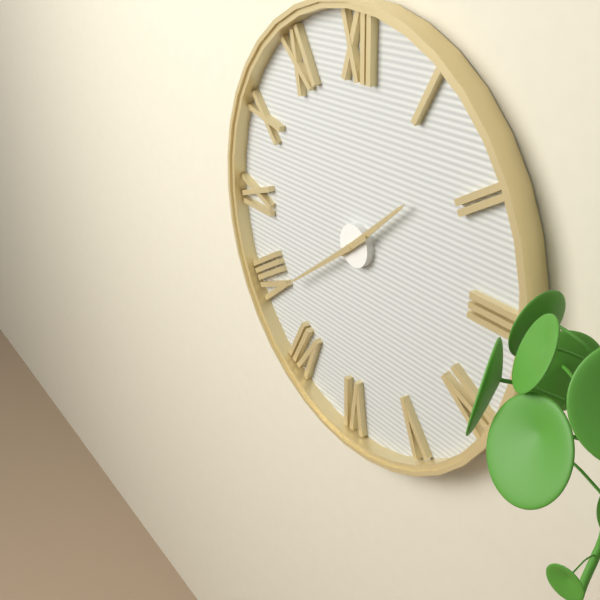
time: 1:39
